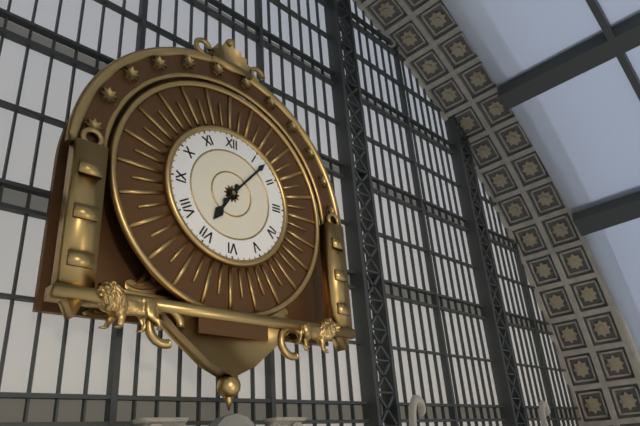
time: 7:07
